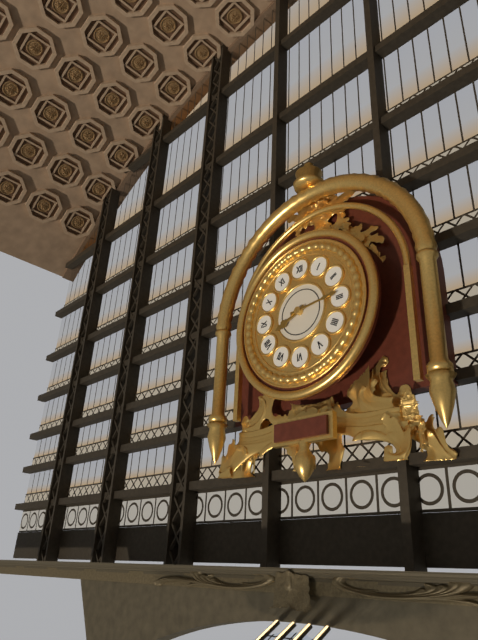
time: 8:14
